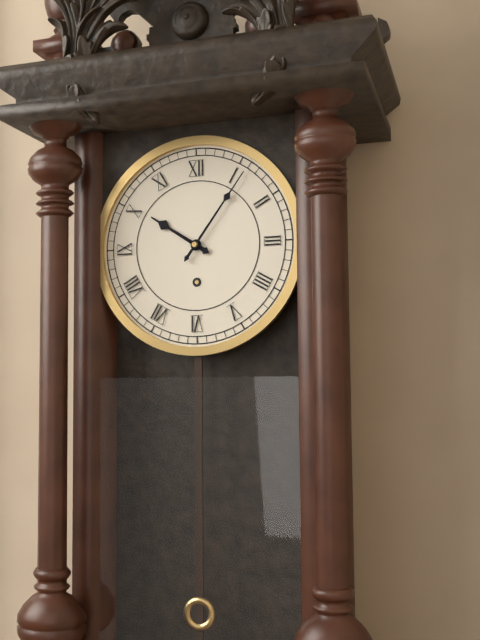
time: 10:06
